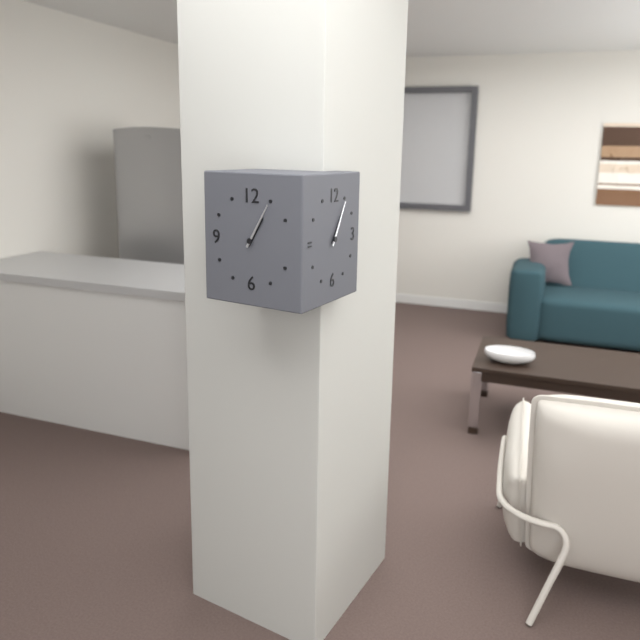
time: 1:05
